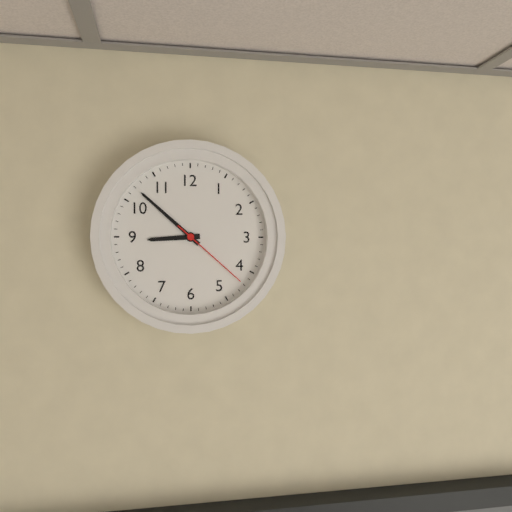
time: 8:52:22
